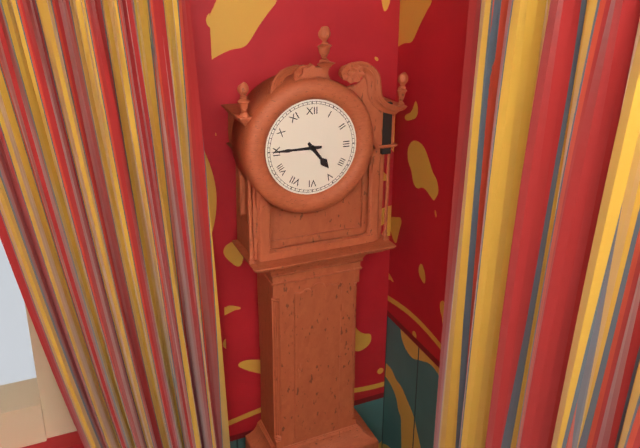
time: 4:45
